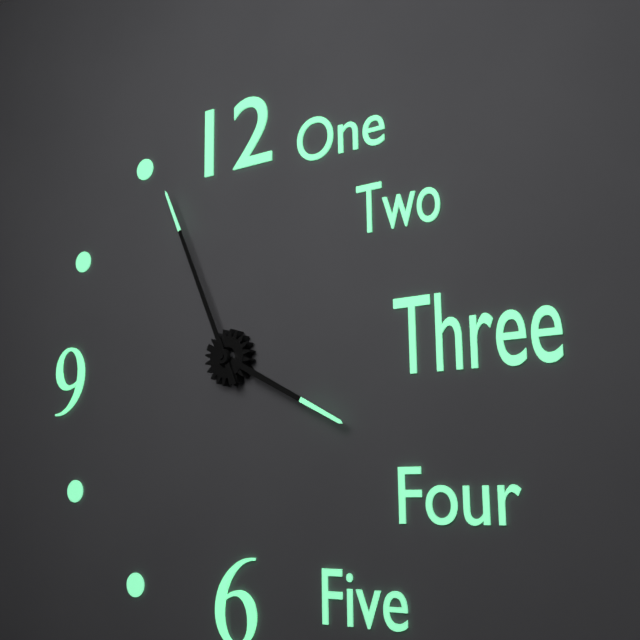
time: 3:56
